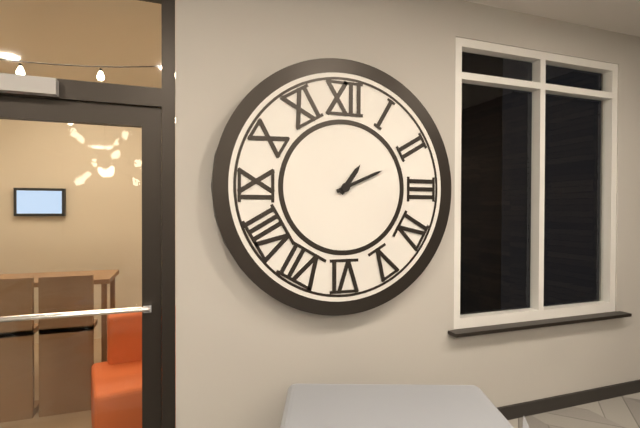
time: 1:11
